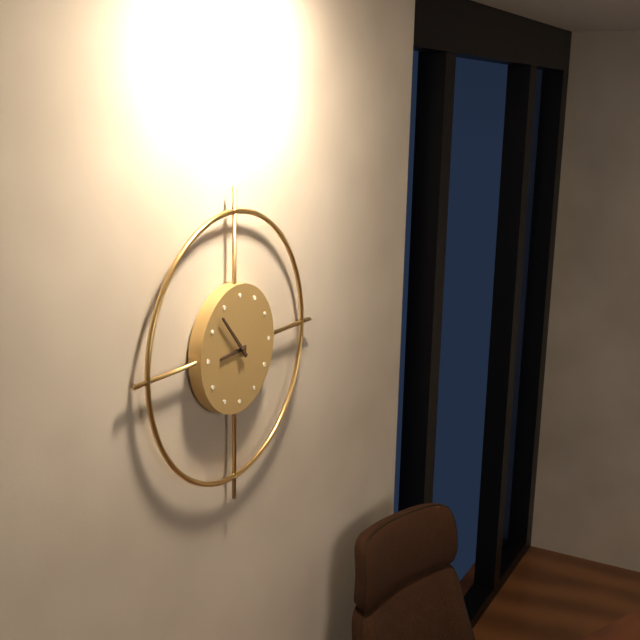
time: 8:53
